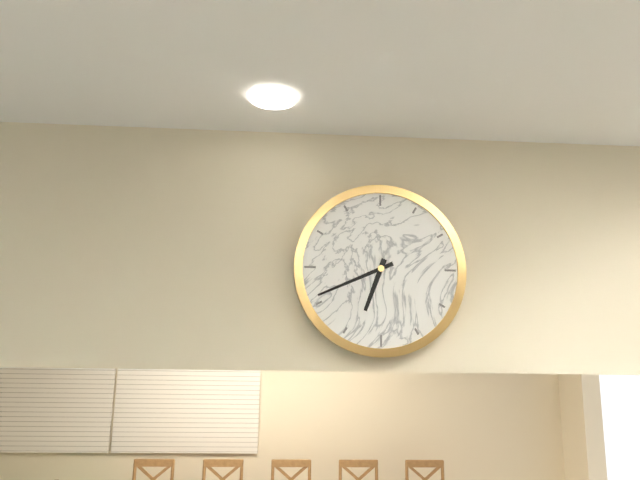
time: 6:41
